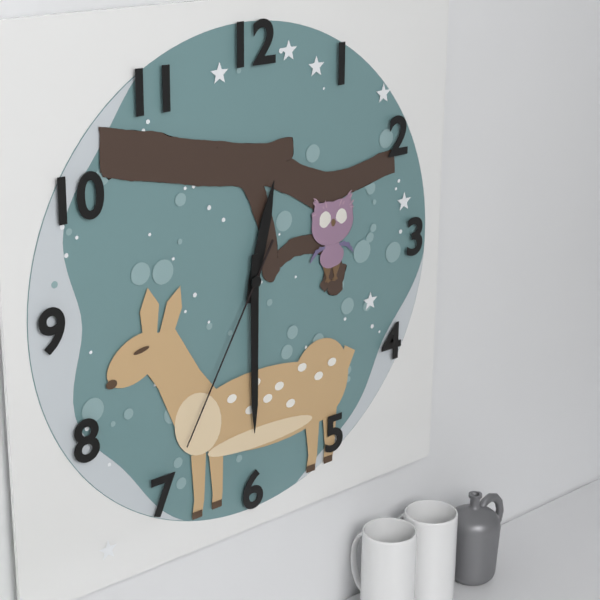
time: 12:30:35
